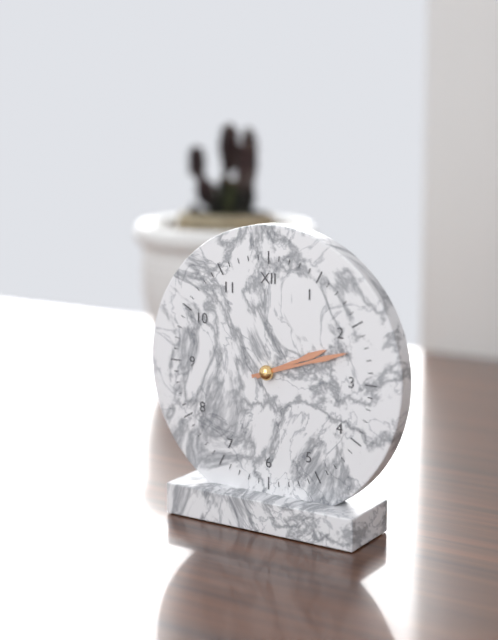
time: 2:12
